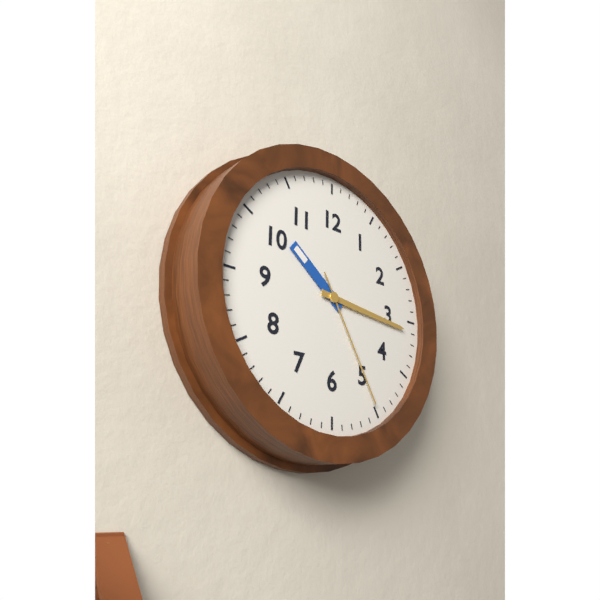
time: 10:16:25
